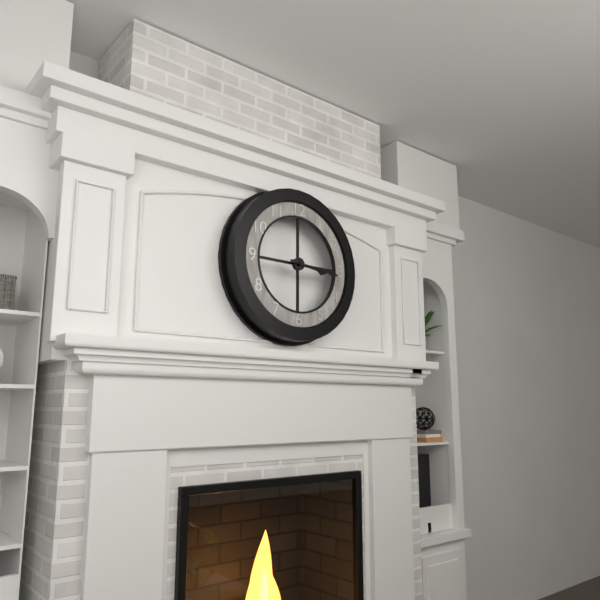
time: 3:16
